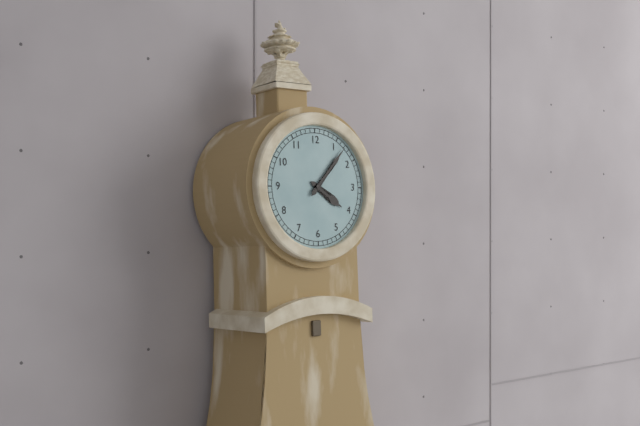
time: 4:07
